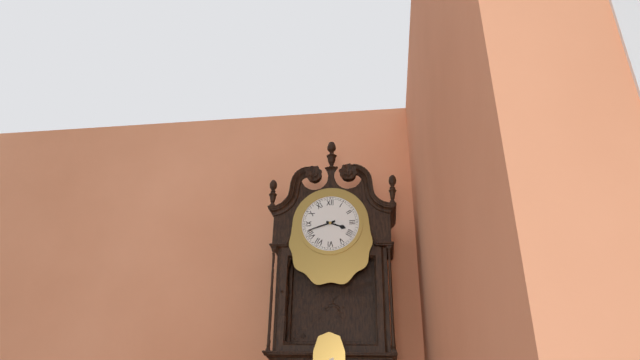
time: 3:42
